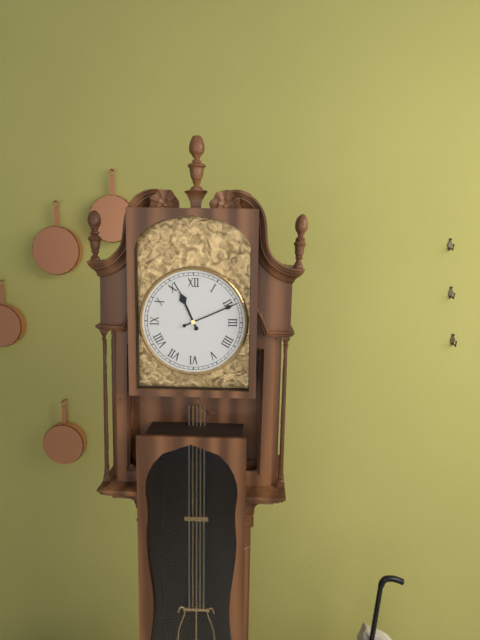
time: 11:11
